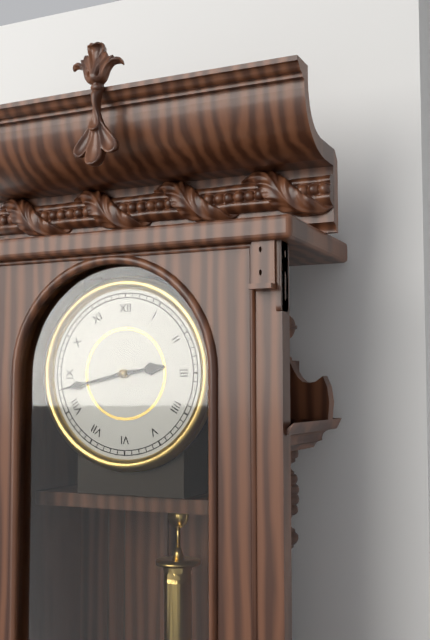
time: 2:43
